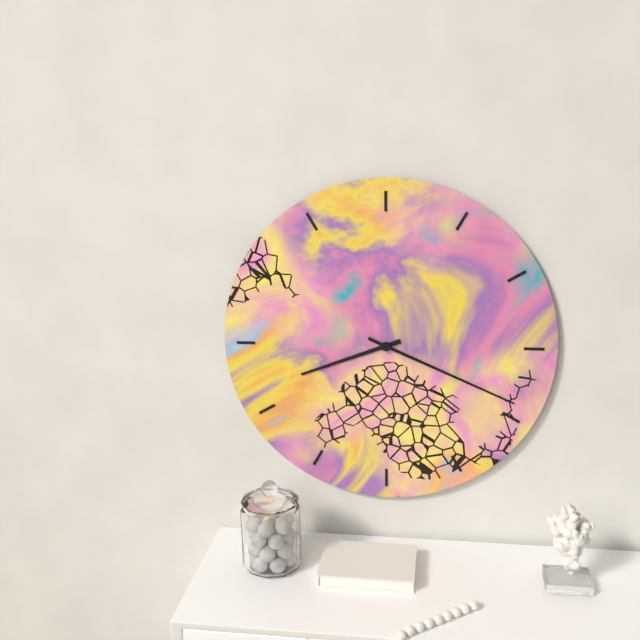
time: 8:19
